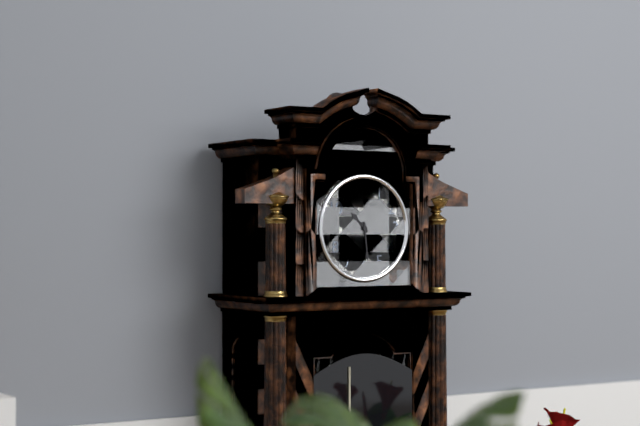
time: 10:29
